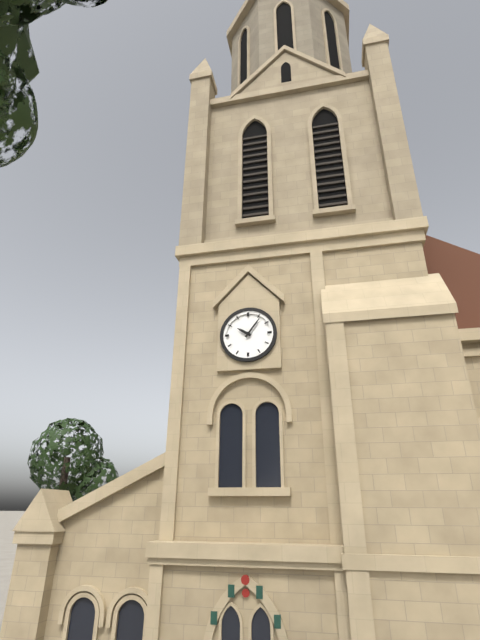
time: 10:06
